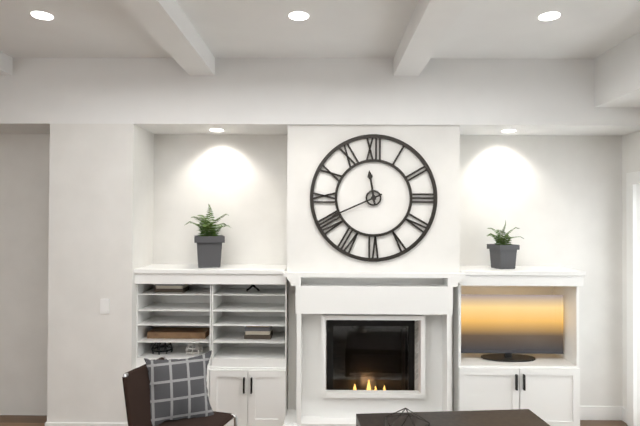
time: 11:41
